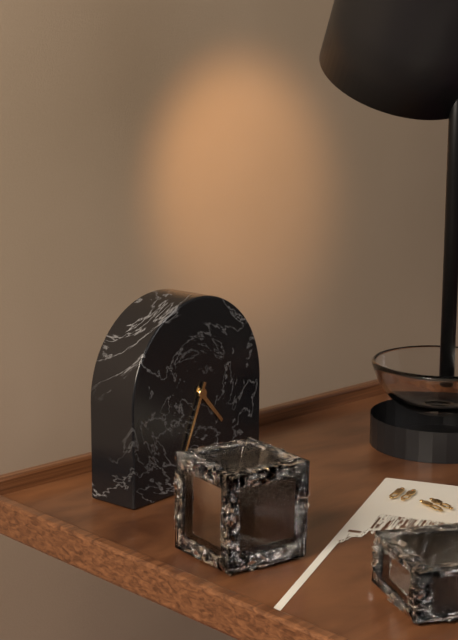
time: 4:34
